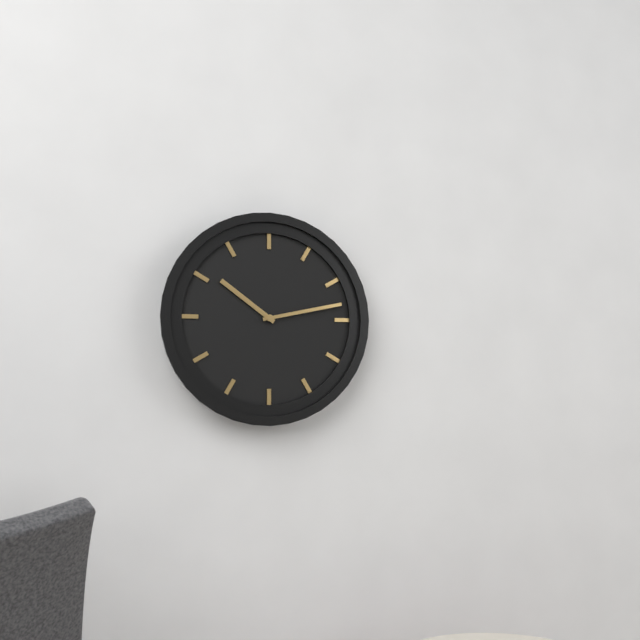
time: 10:13
